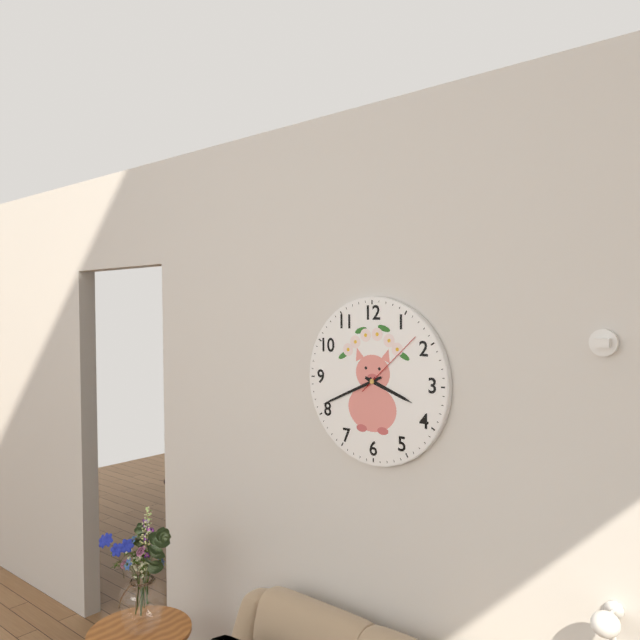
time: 3:41:08
